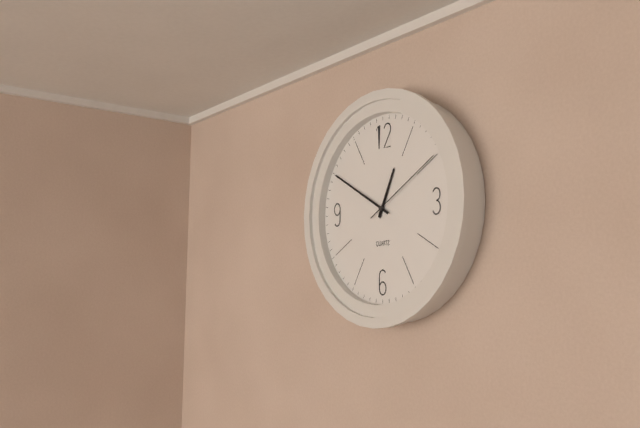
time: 12:50:10
